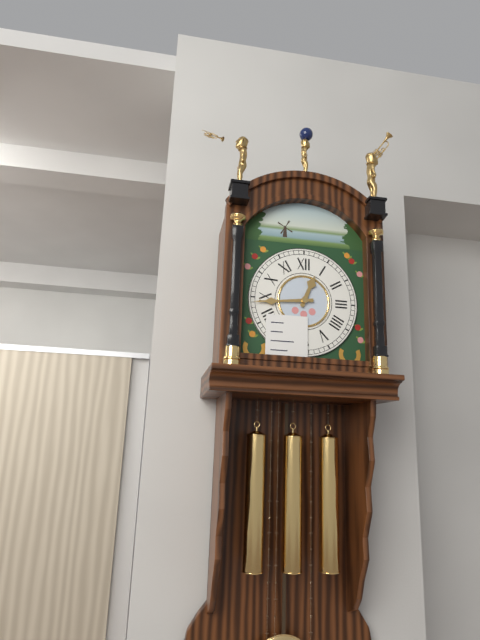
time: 12:44
